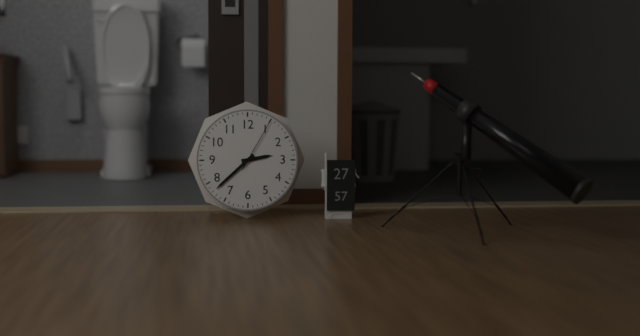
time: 2:38:05
